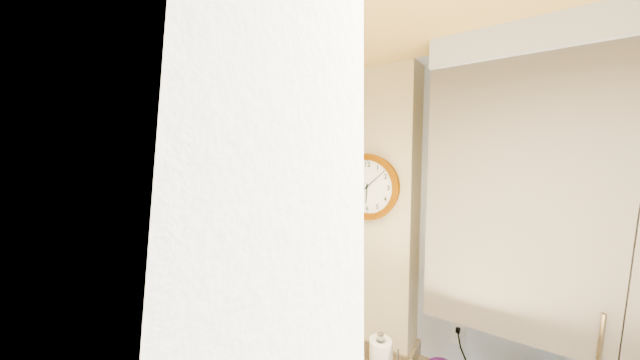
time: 6:08
